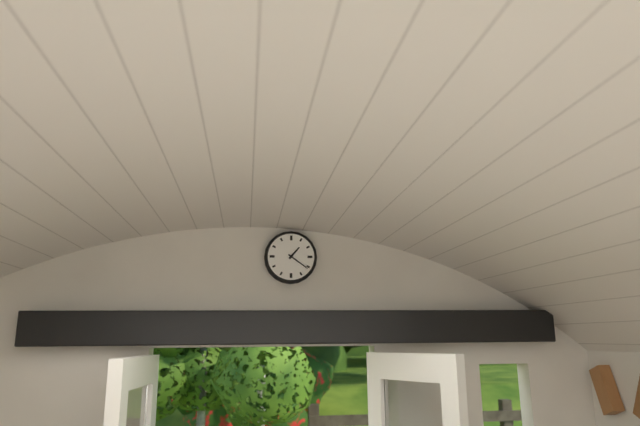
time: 1:21
